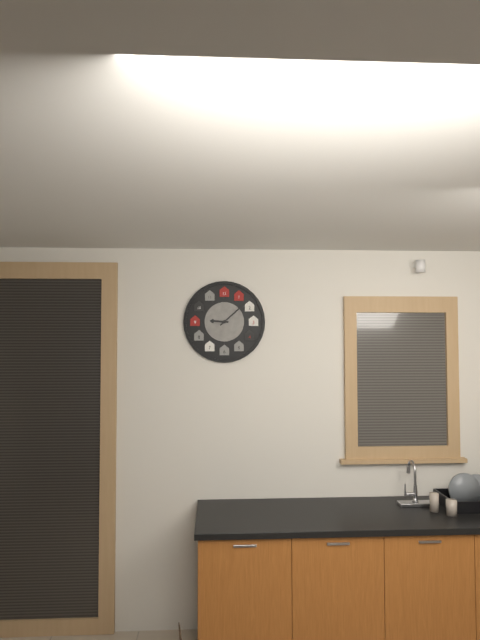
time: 9:08
